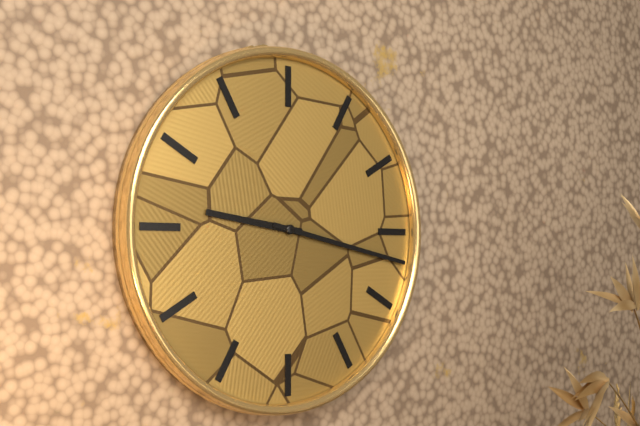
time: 9:17
